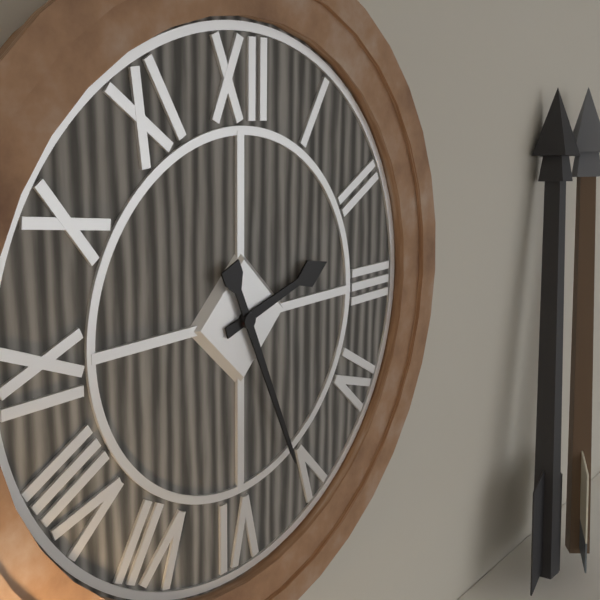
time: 2:26
